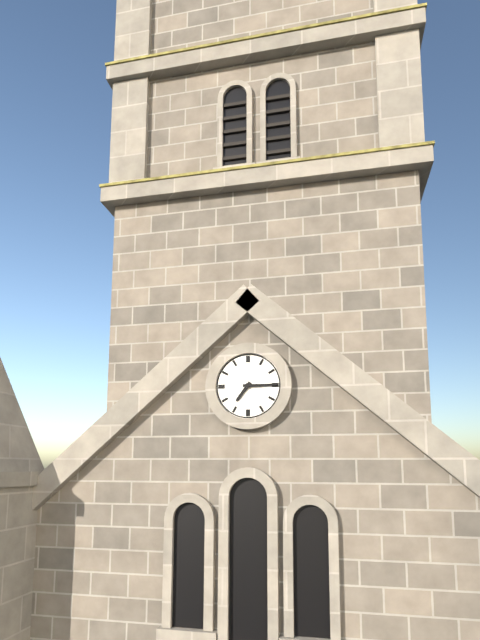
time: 7:15
